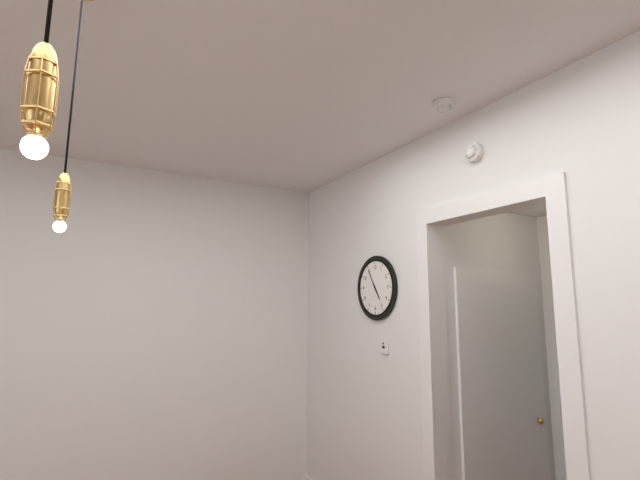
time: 4:55
